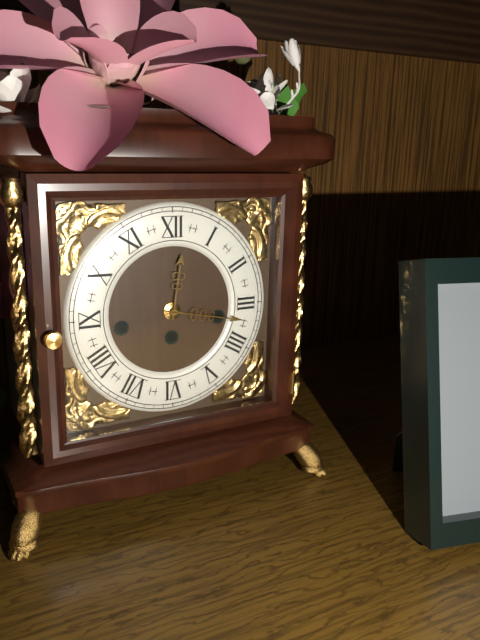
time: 12:17
